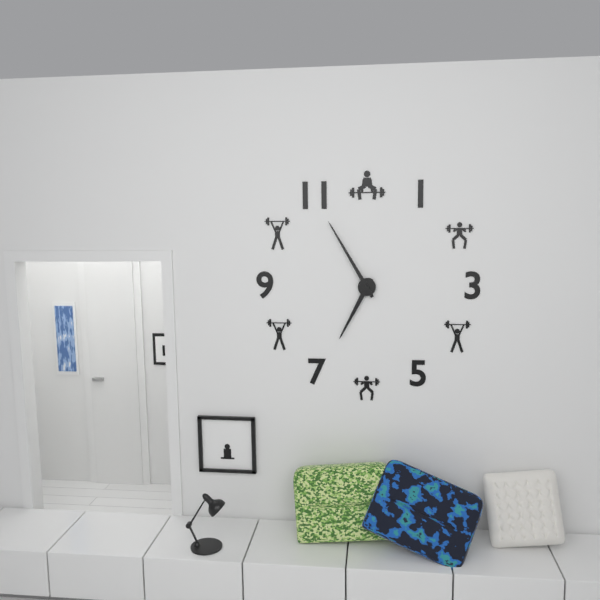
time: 6:55
